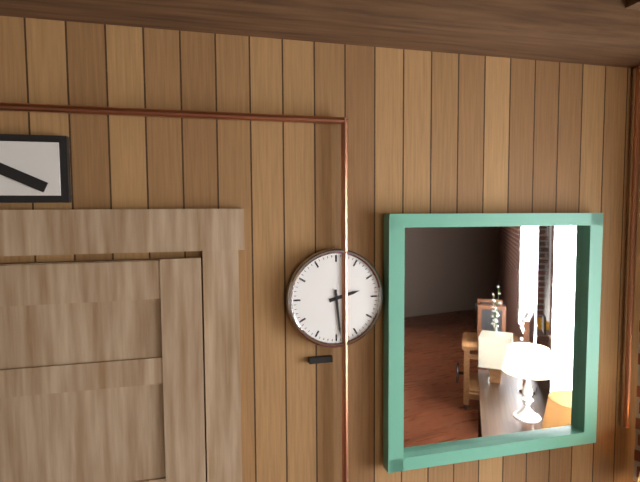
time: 2:29
